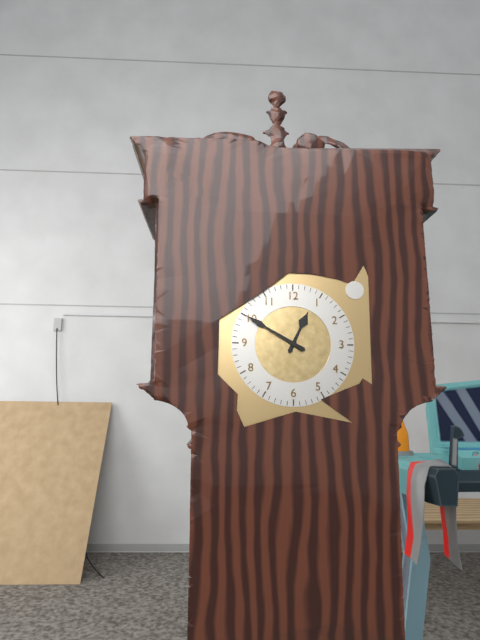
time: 12:50
